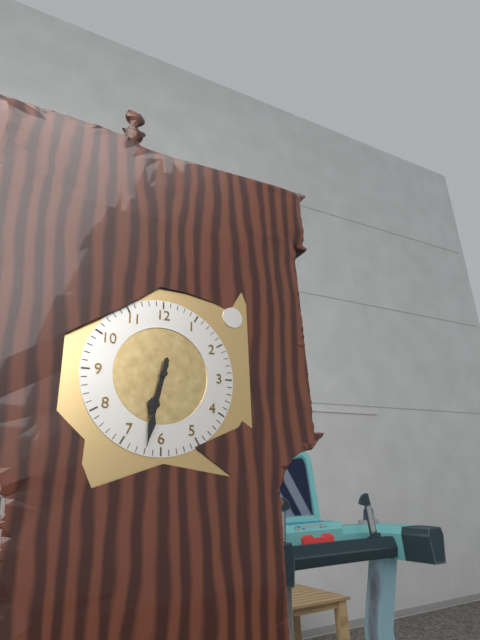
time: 6:32
